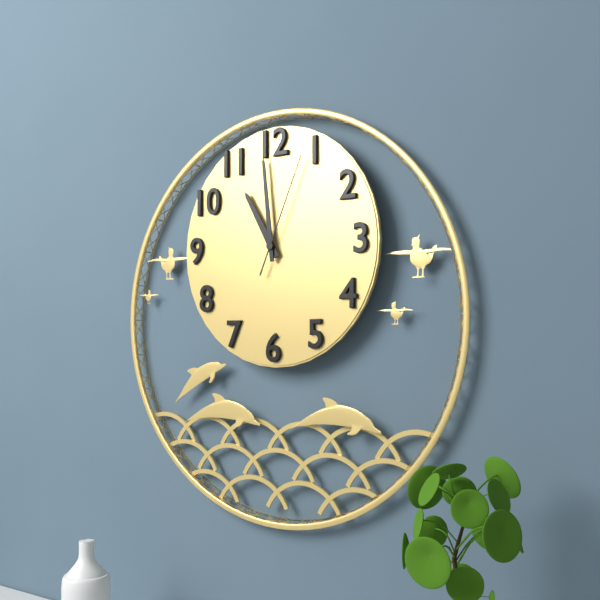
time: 10:59:04
